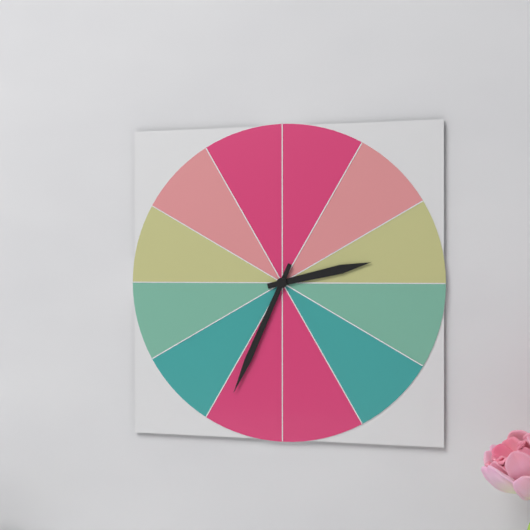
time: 2:34
